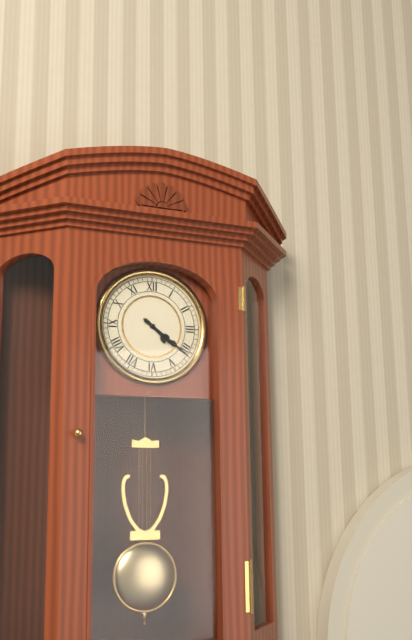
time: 4:21
